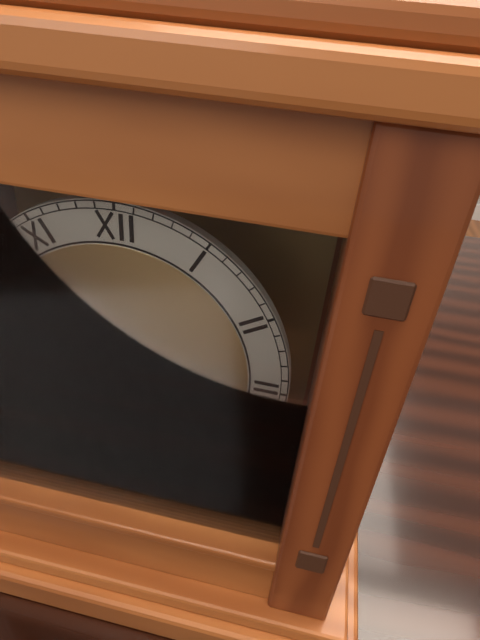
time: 8:41
